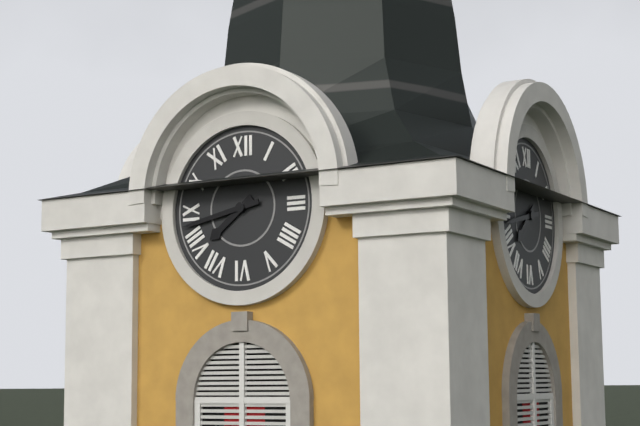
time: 7:43
